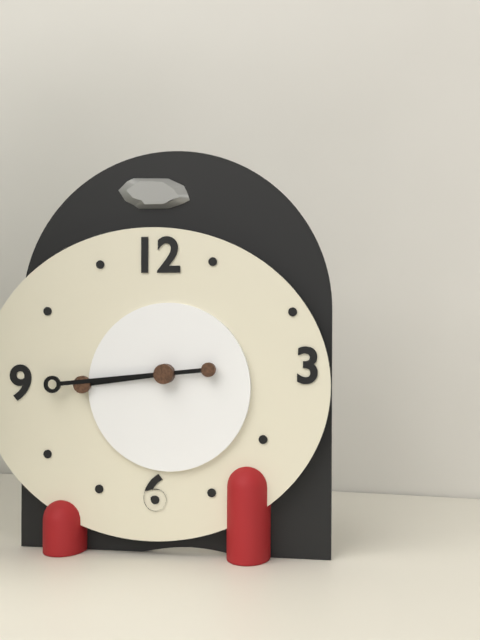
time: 8:44
